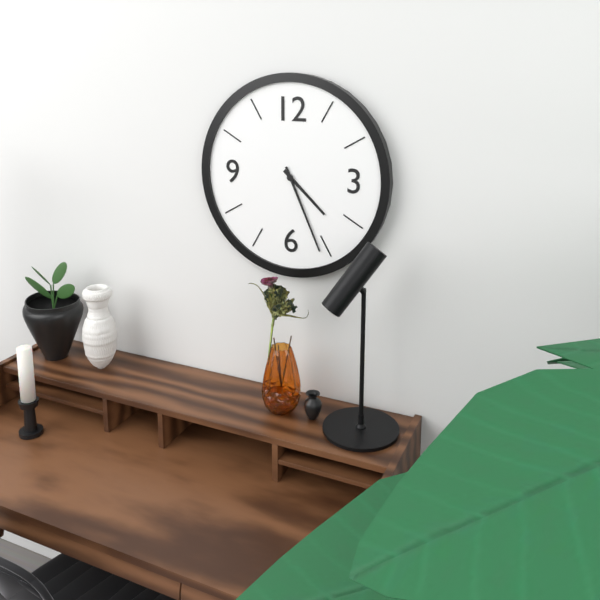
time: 4:26
